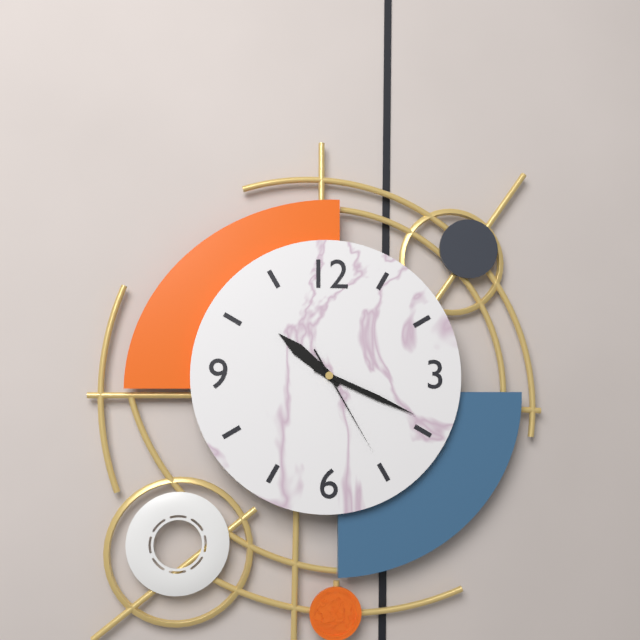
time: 10:19:25
